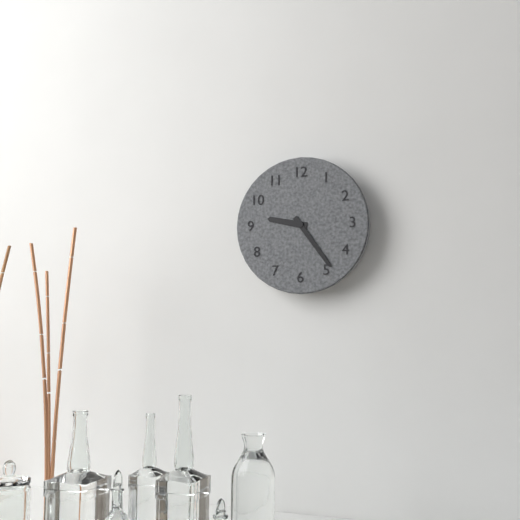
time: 9:24
